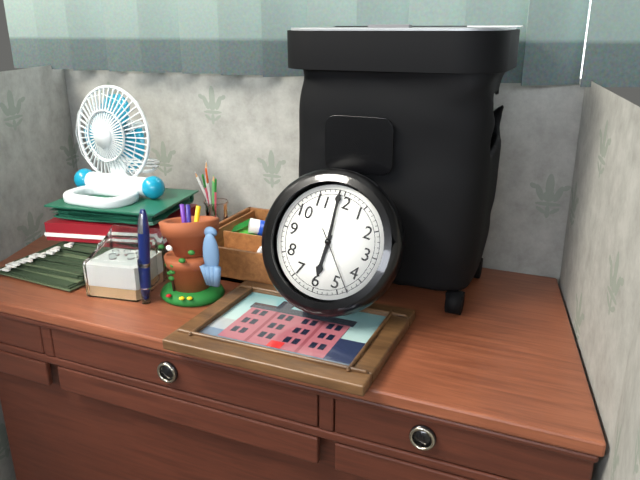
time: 5:59:23
